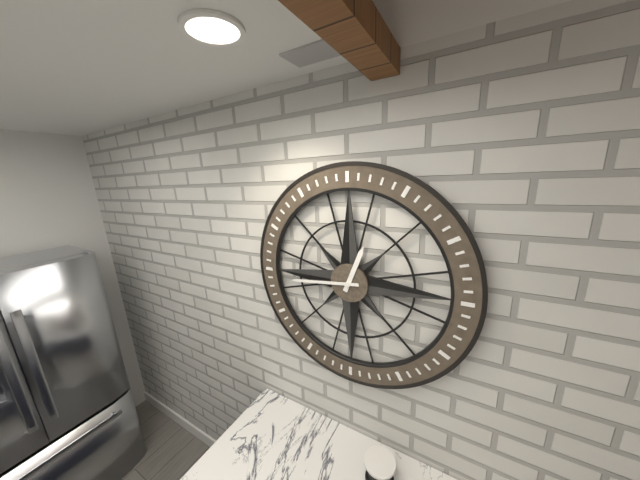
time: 12:44
